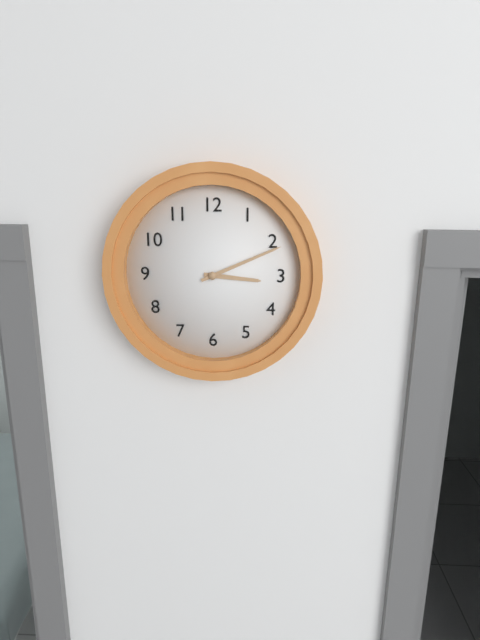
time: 3:11
